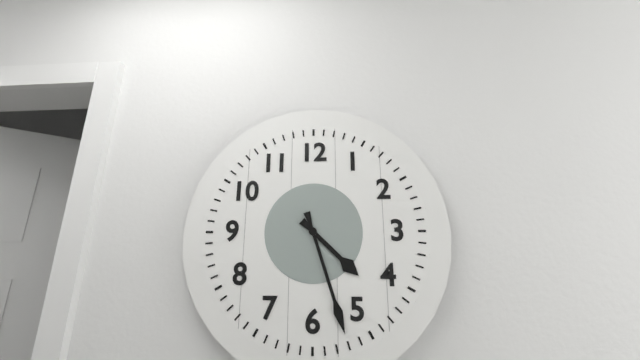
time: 4:27
